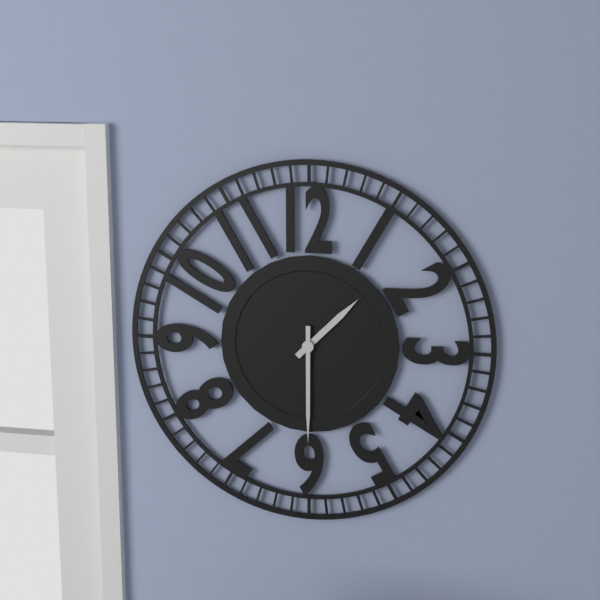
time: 1:30
